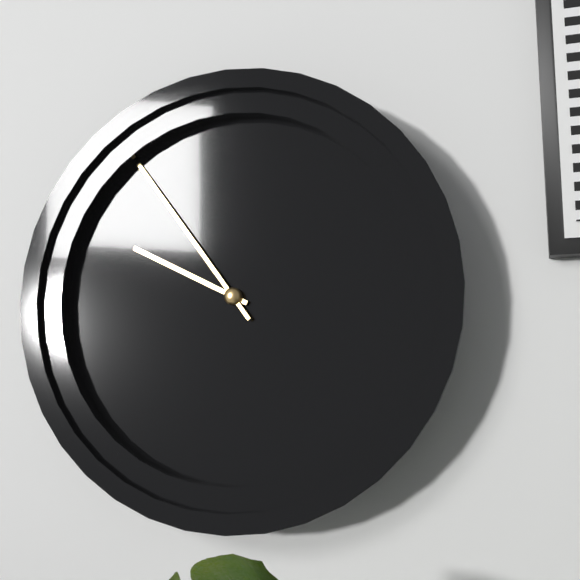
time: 9:54
